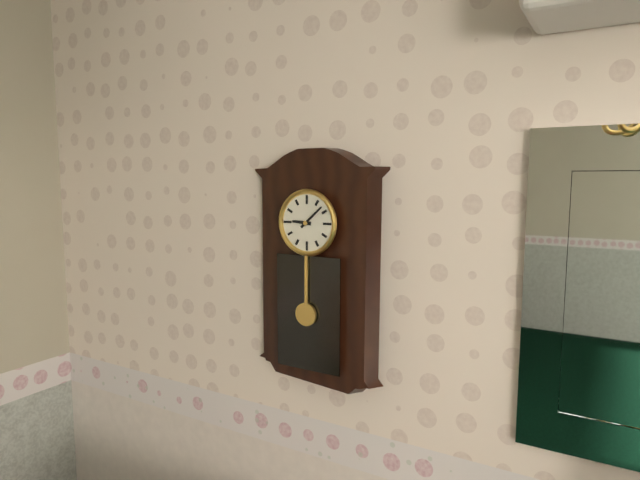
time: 9:08
